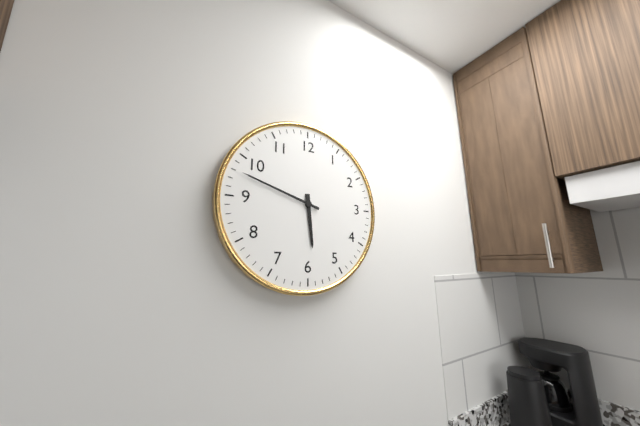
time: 5:48
